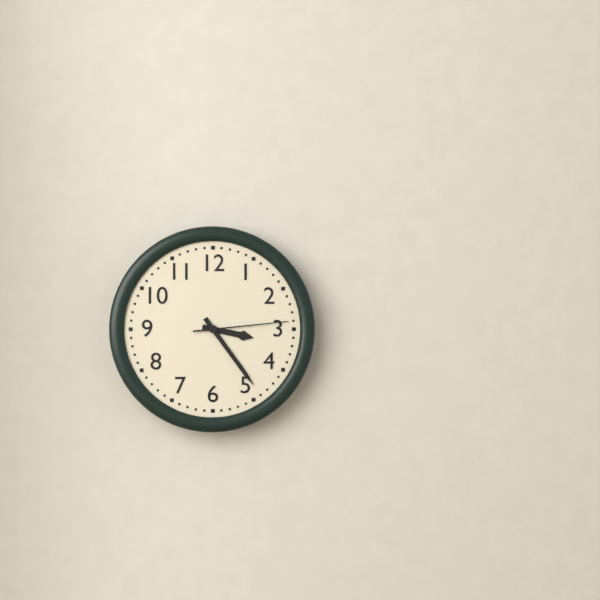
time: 3:24:14
